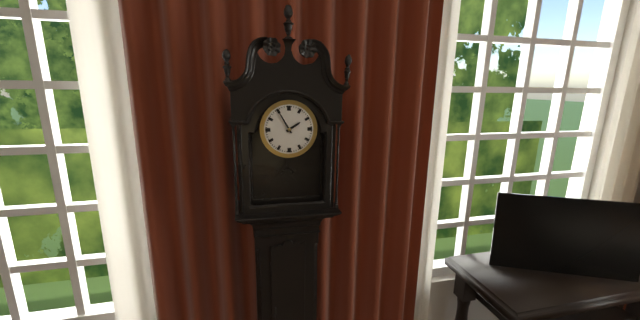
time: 1:55
